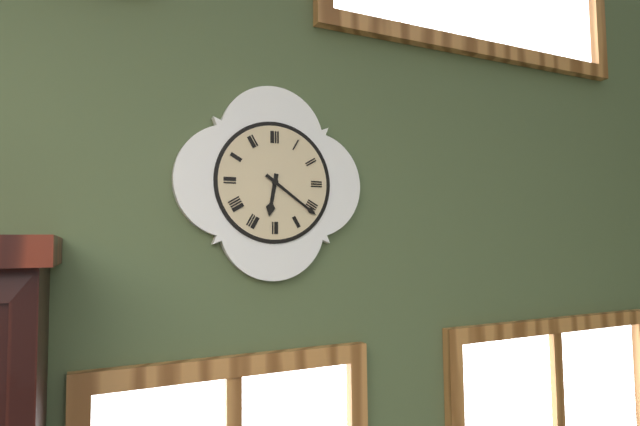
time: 6:21
